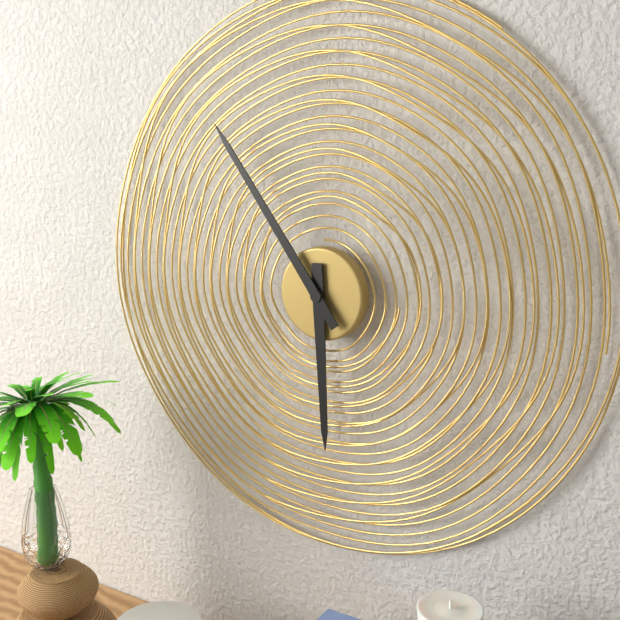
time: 5:54
